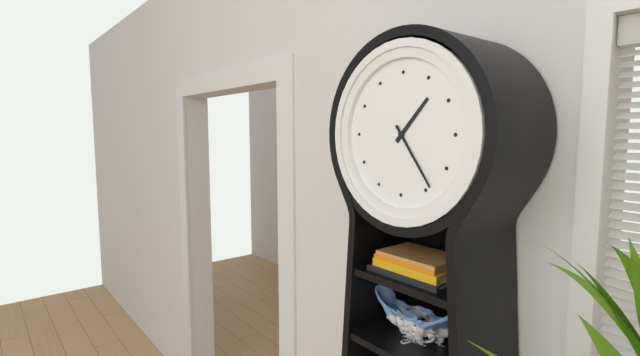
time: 1:24
